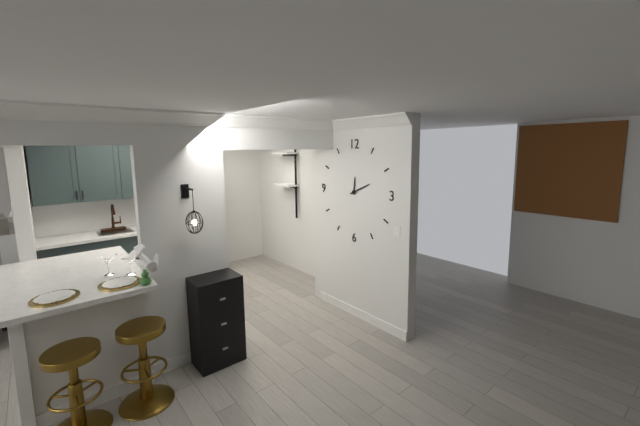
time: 12:11
